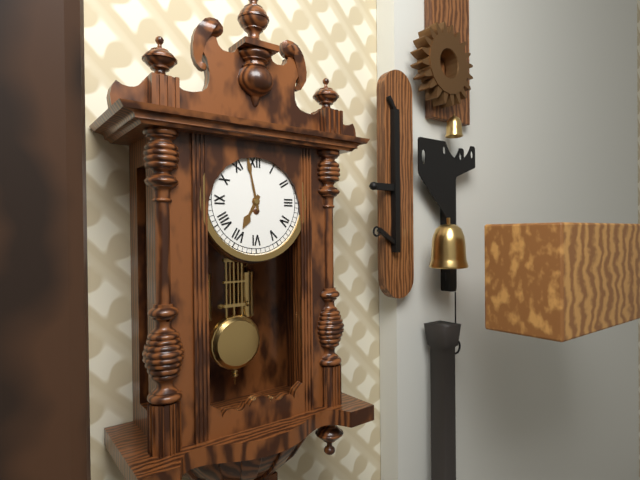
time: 6:58
